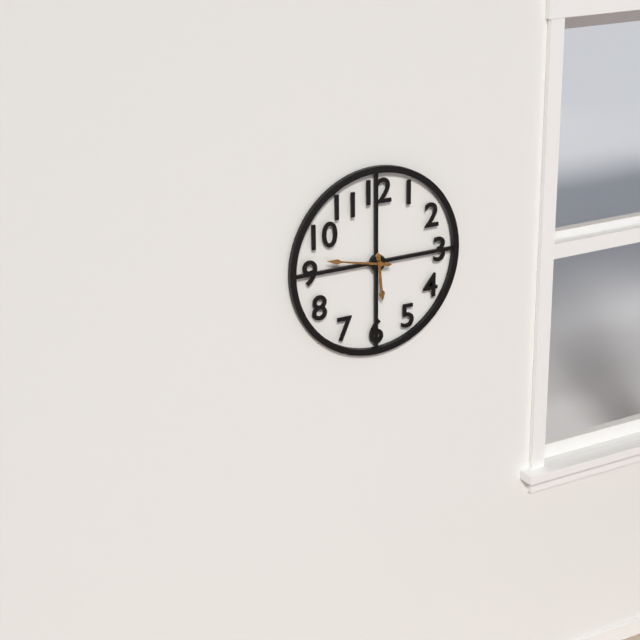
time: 5:47
